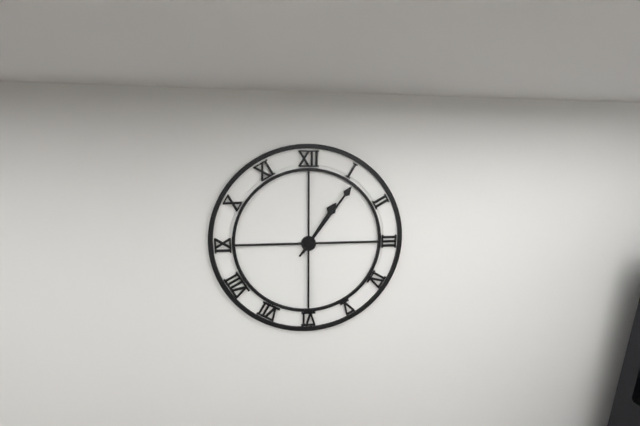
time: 1:06
